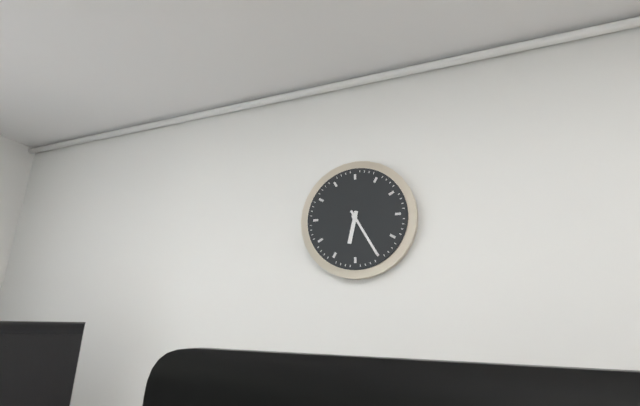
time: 6:25
